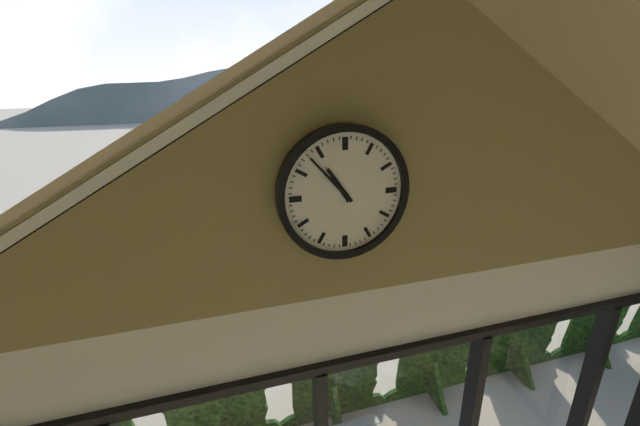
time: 10:53
